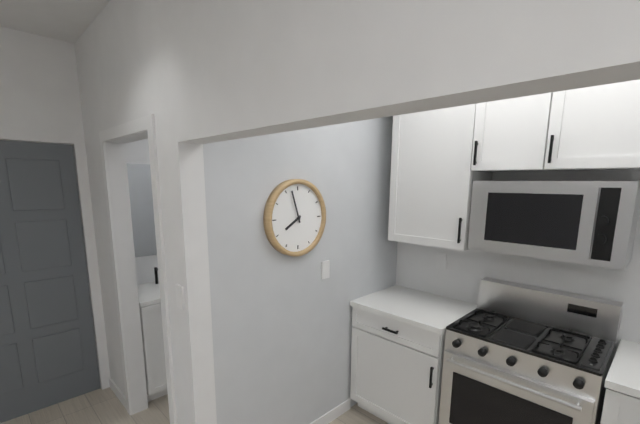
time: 7:57
